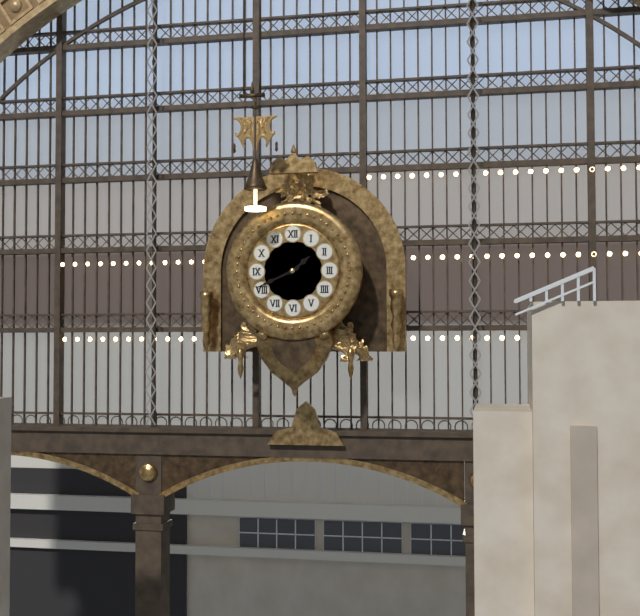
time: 1:41
